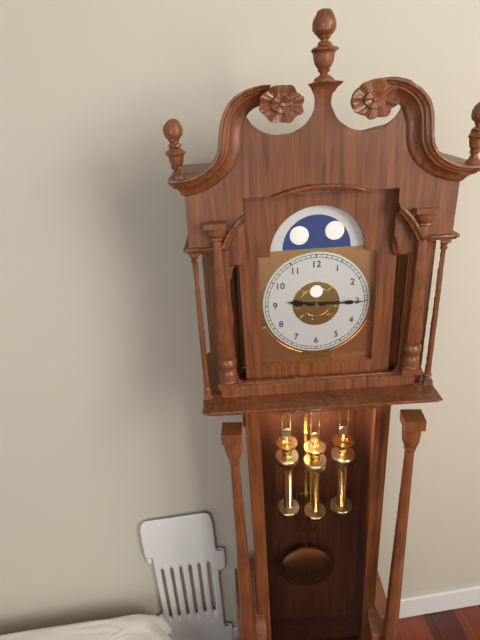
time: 9:15
